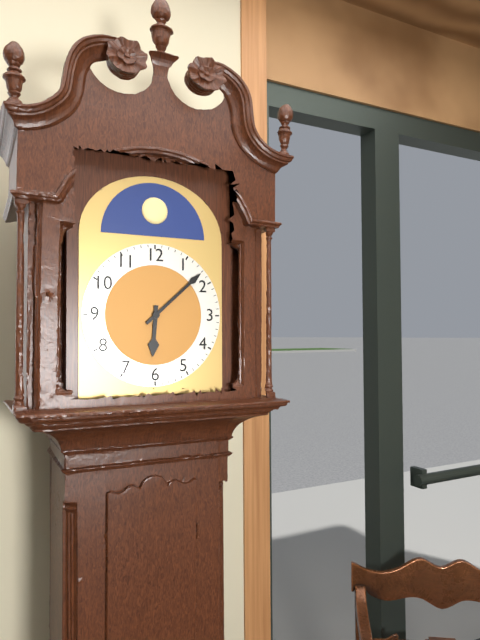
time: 6:08
